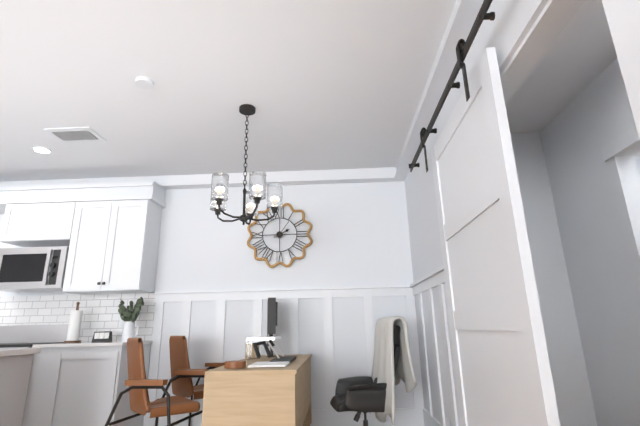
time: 2:06
